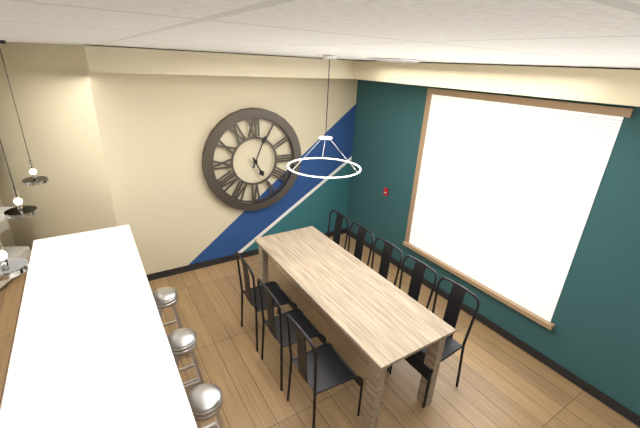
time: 5:04
